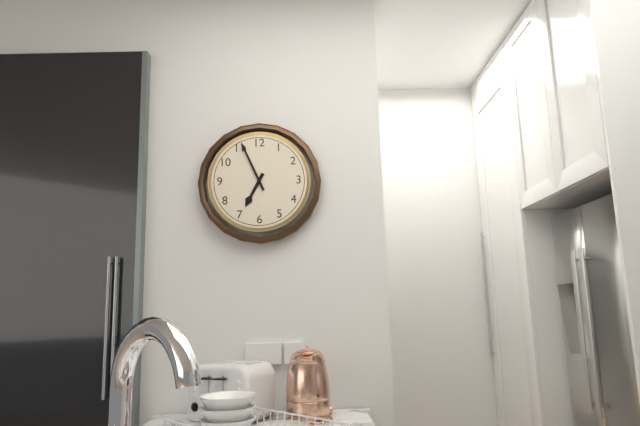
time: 6:56
